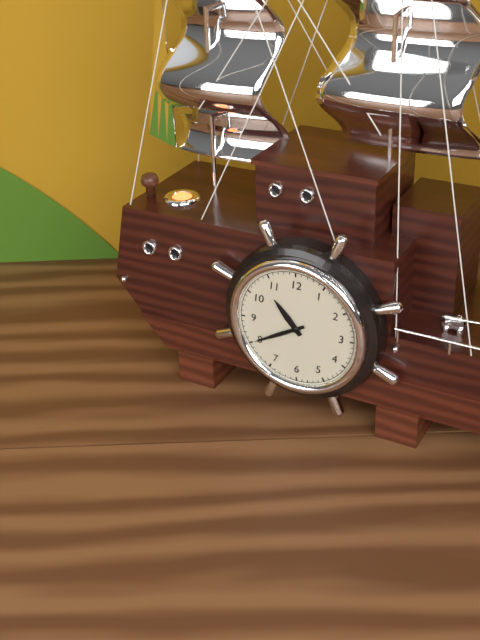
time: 10:40
